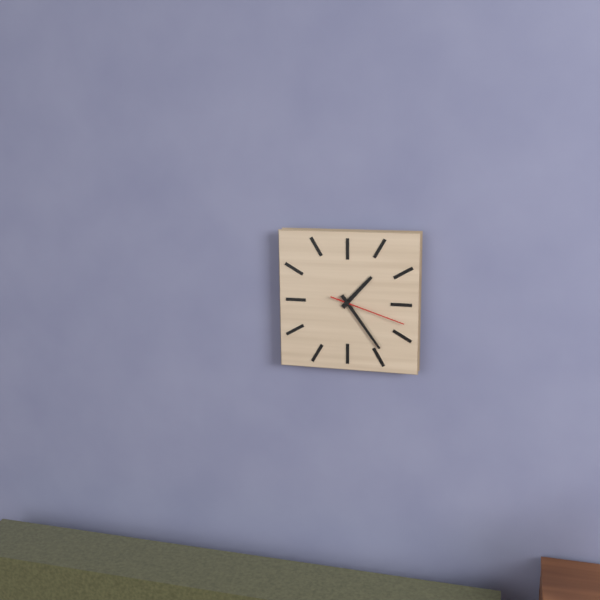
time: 1:24:18
